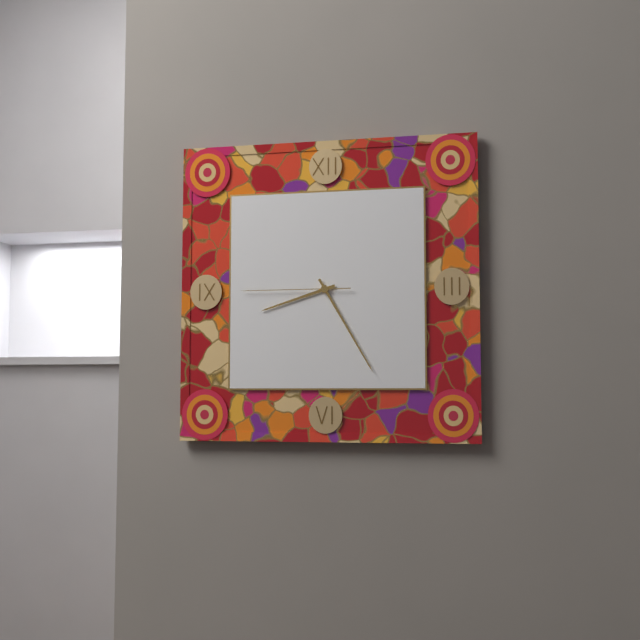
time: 8:25:45
